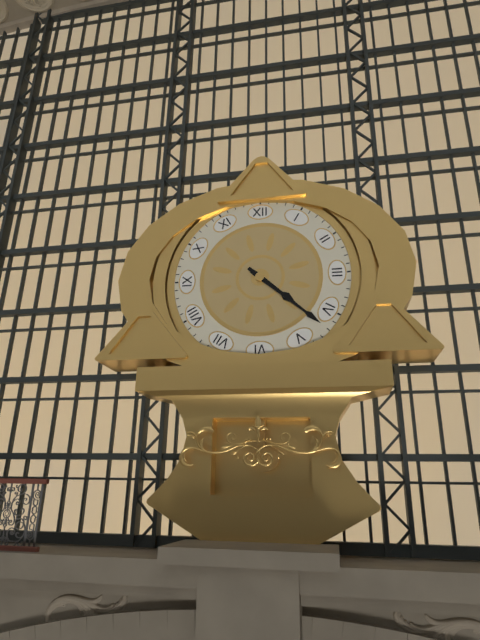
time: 4:22
